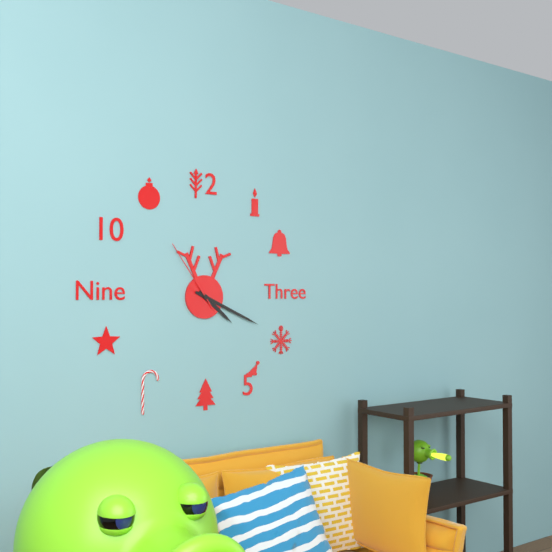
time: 4:19:54
